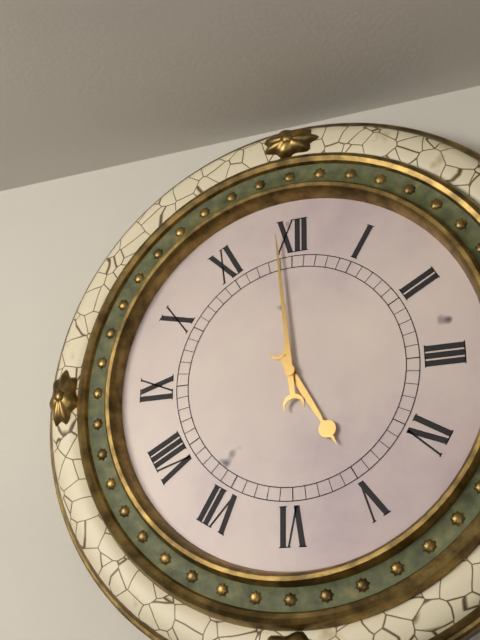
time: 4:59
